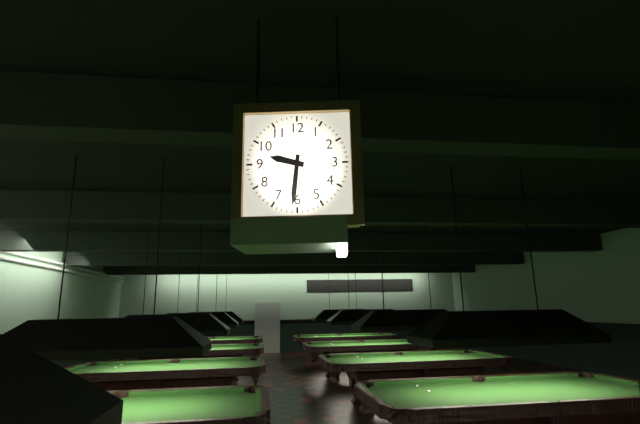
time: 9:31
